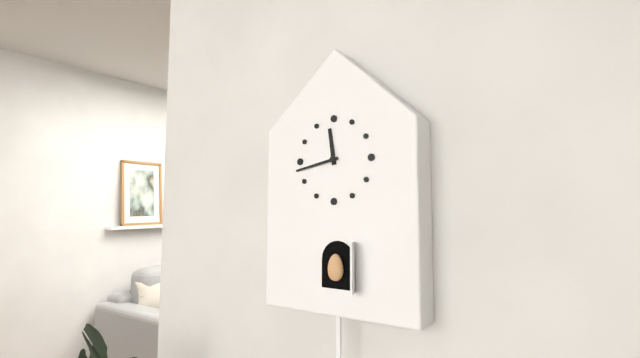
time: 11:43
